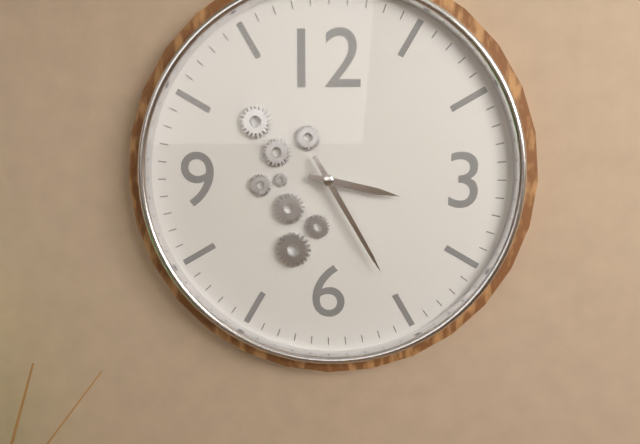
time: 3:25
